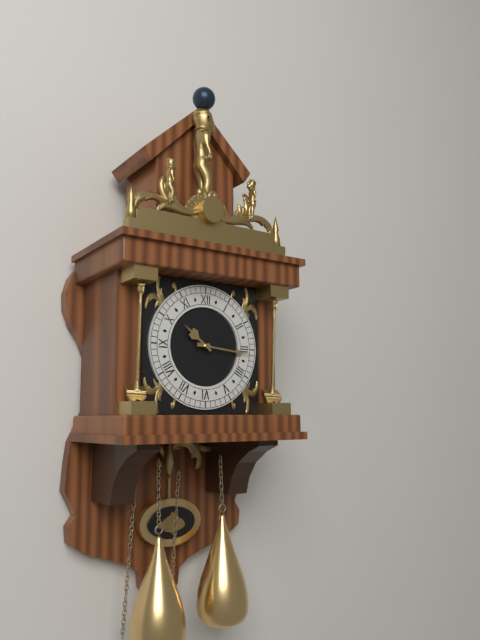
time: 10:16
